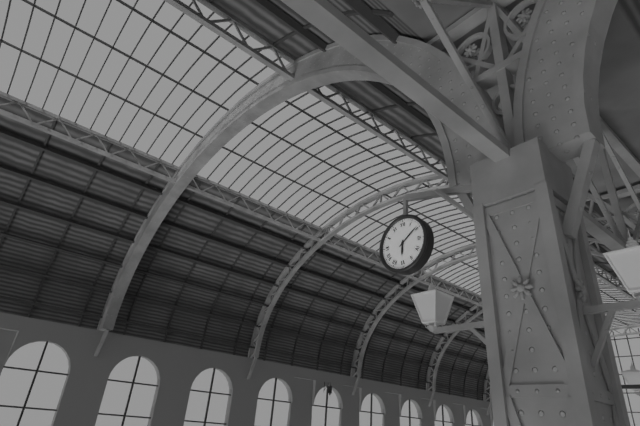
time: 6:09
